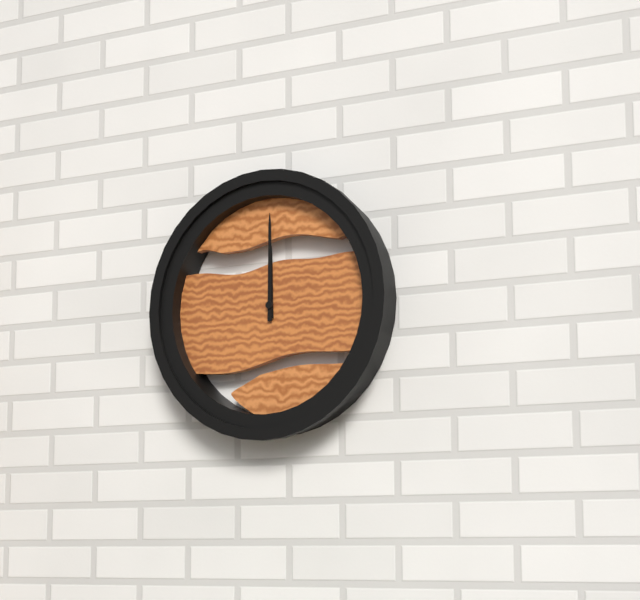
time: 12:00
